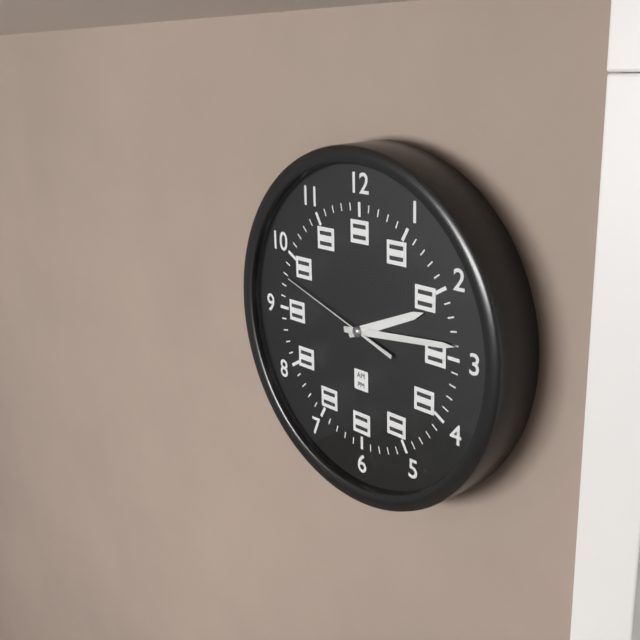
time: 2:14:48
